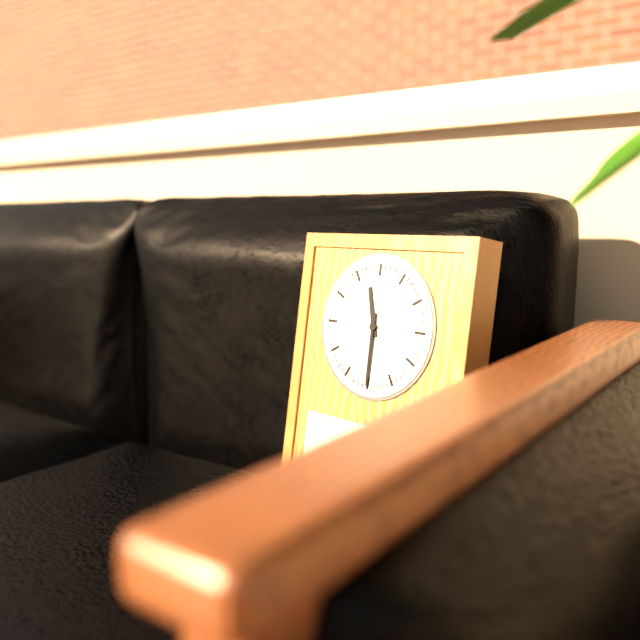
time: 11:30
